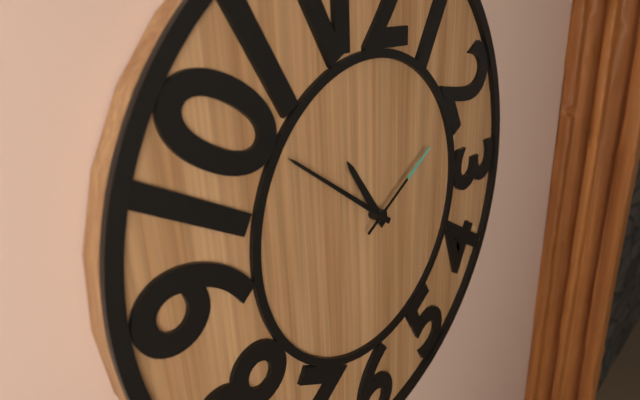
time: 10:51:10
